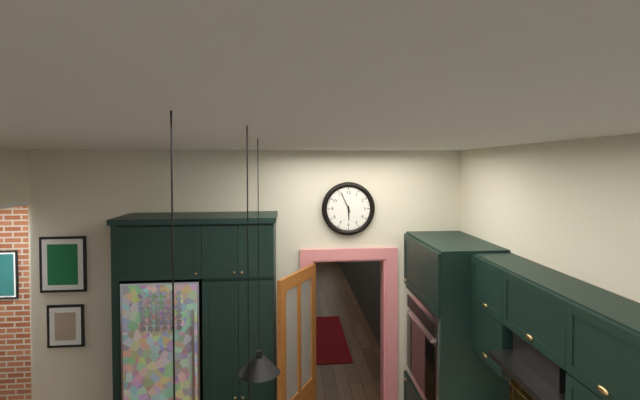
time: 5:56
